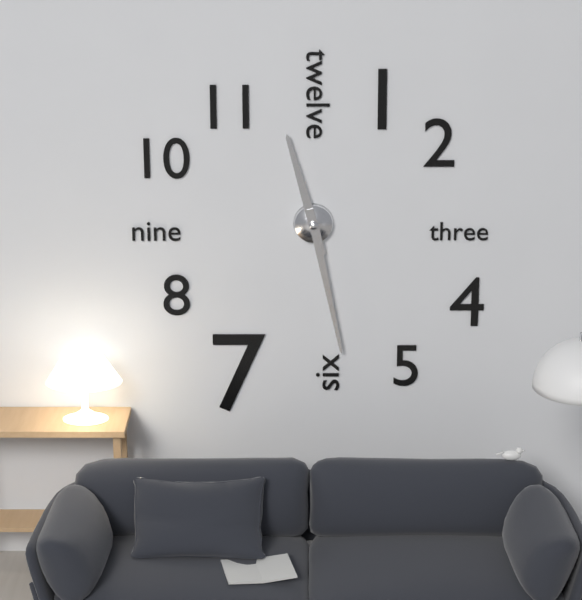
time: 11:28
